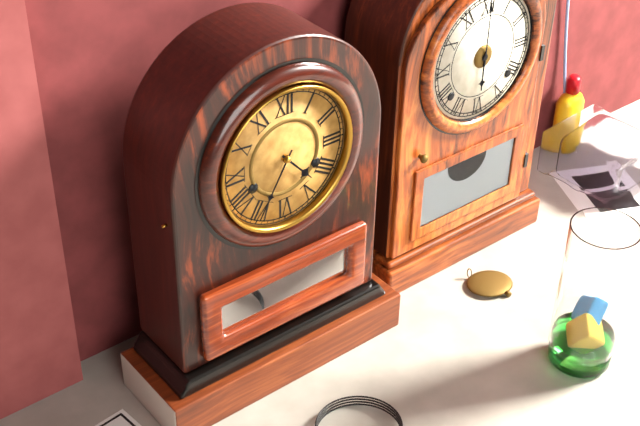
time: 4:35
